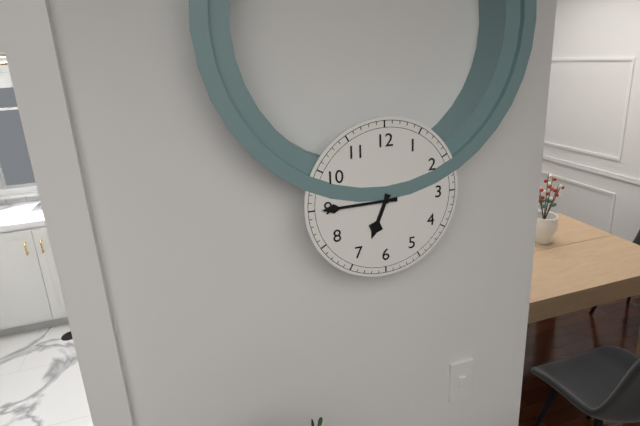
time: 6:45
